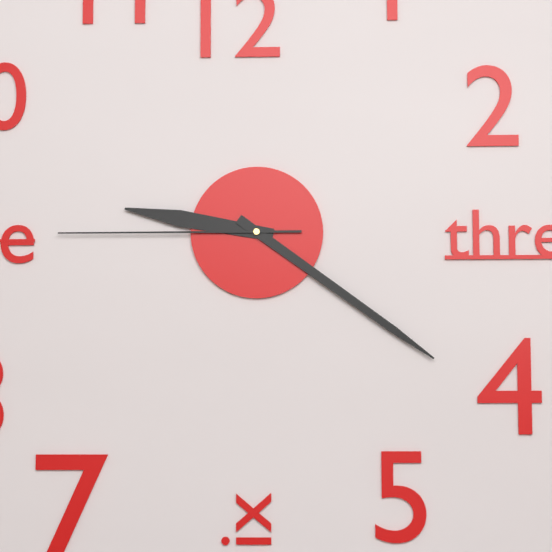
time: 9:21:45
